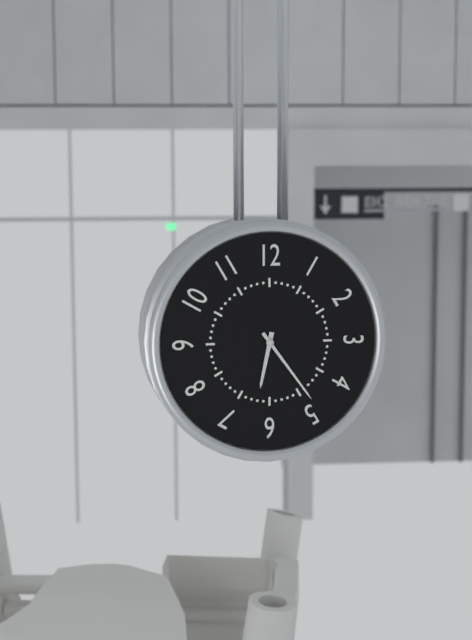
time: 6:24
